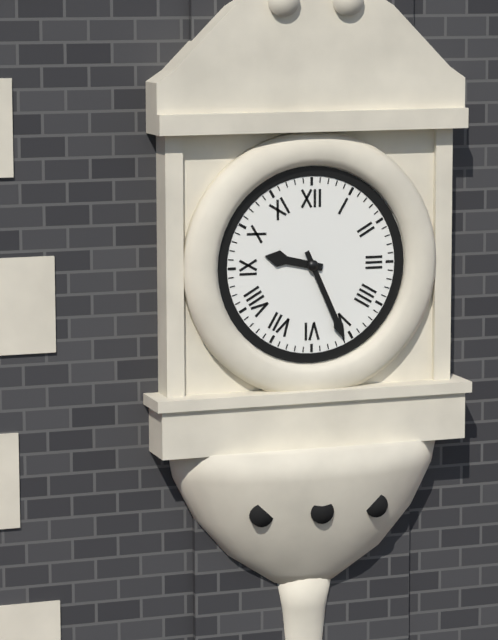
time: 9:26
